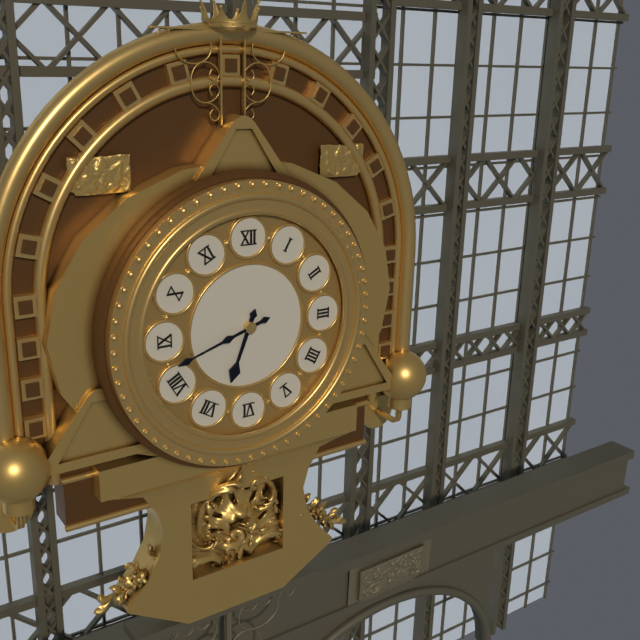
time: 6:42
